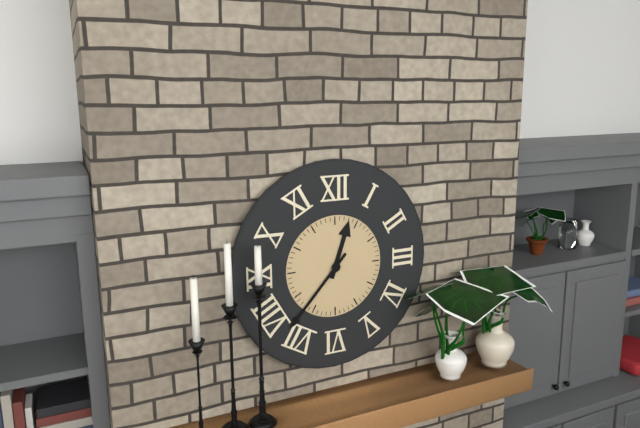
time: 12:37
